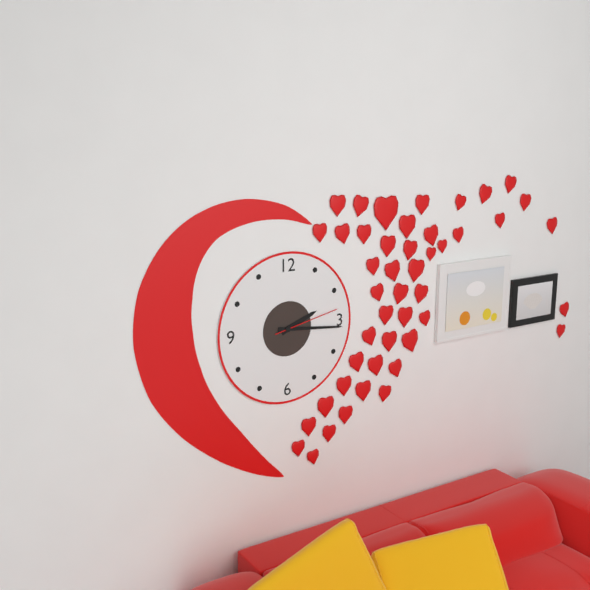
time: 2:16:13
